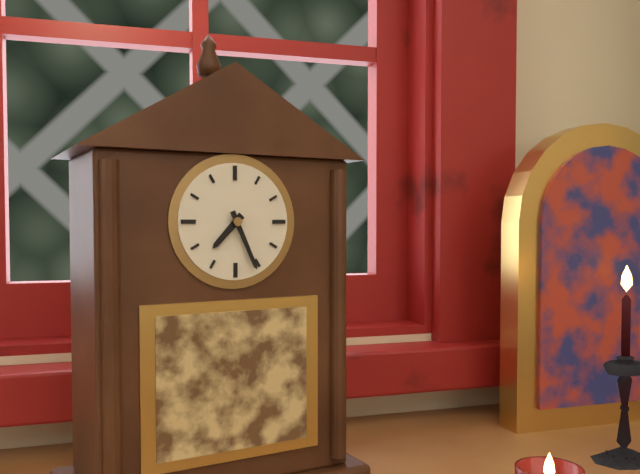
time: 7:26
